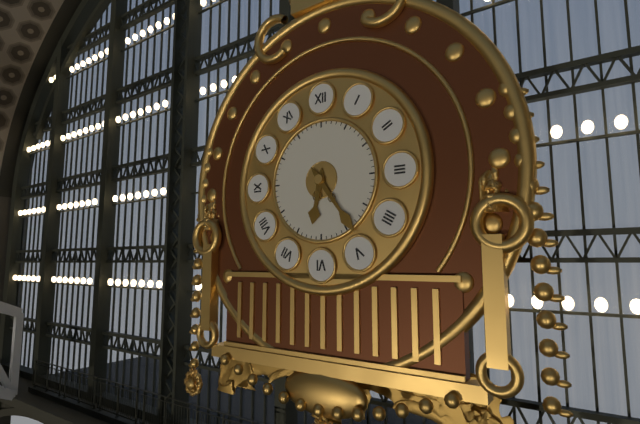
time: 6:24
